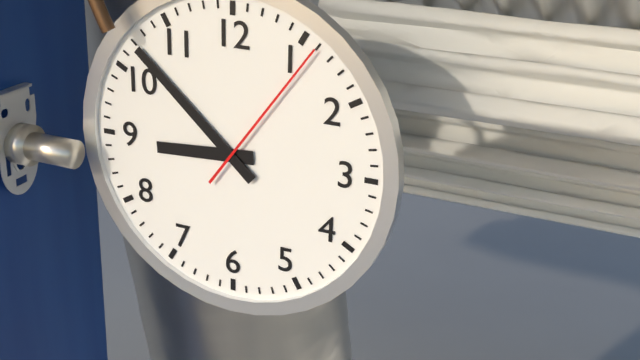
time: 8:52:06
